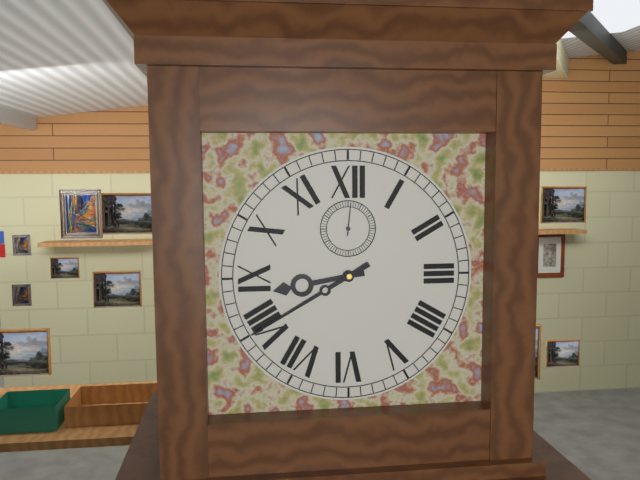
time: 8:40
